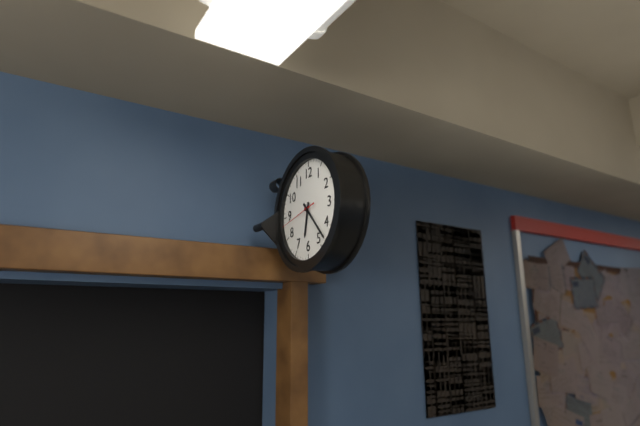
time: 6:23
